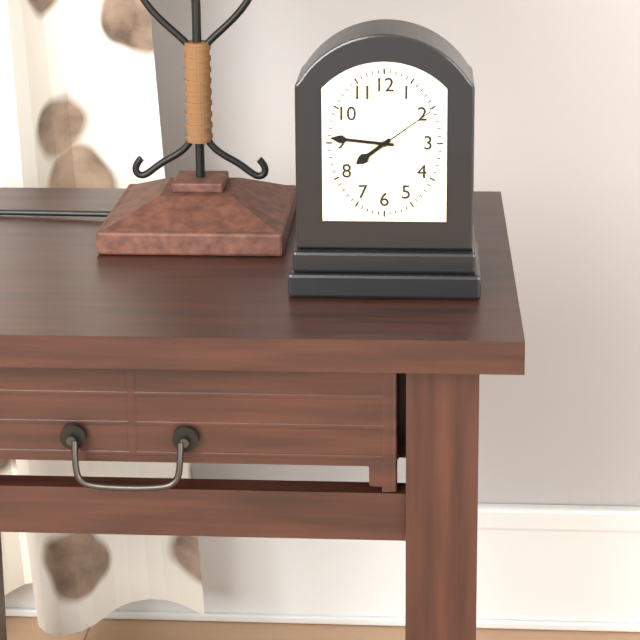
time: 7:46:09
